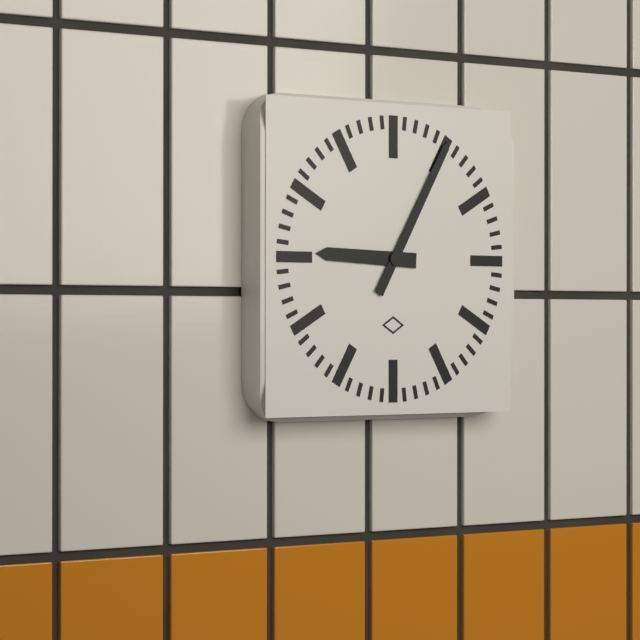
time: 9:05
